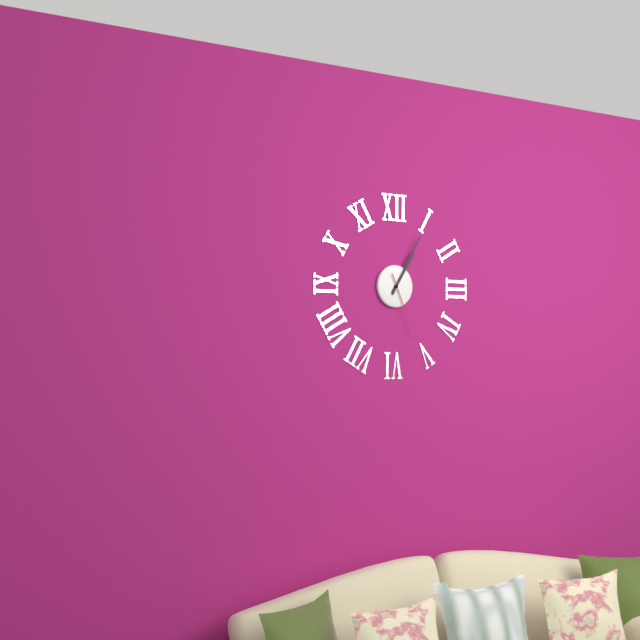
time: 1:05:26
